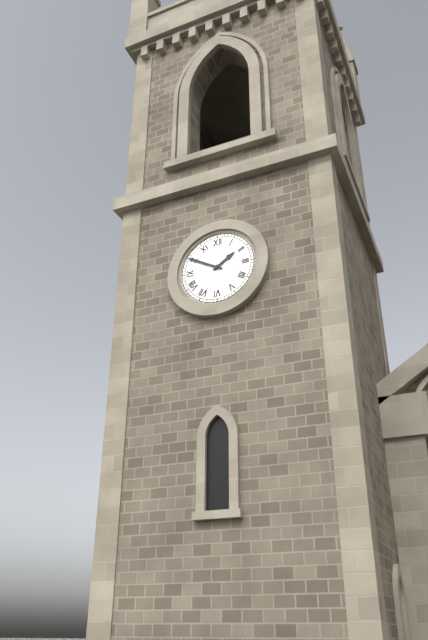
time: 1:50
